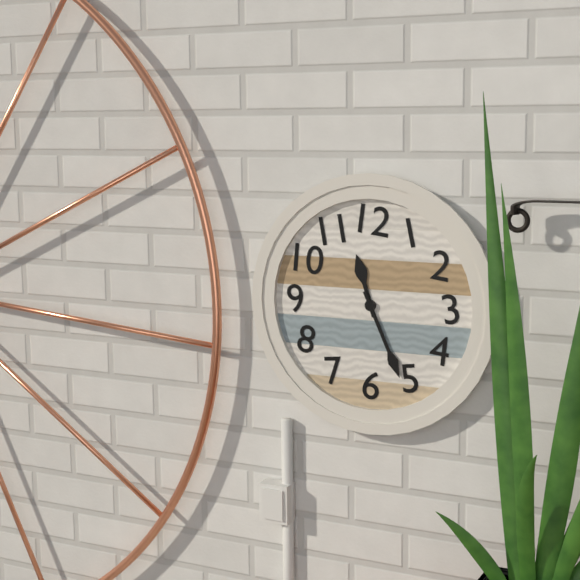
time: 11:26
